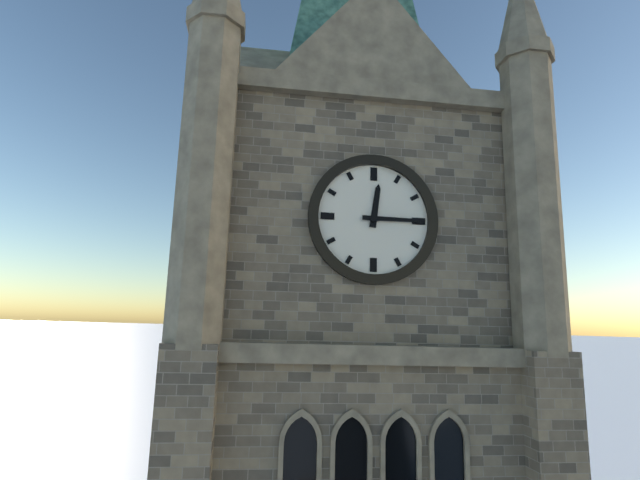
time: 12:15
